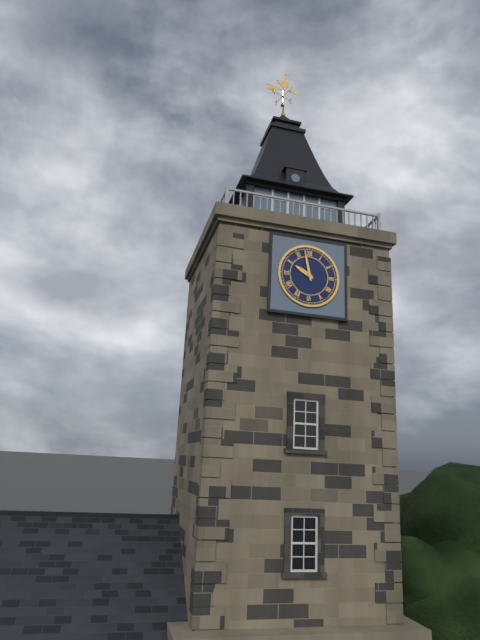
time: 9:58
